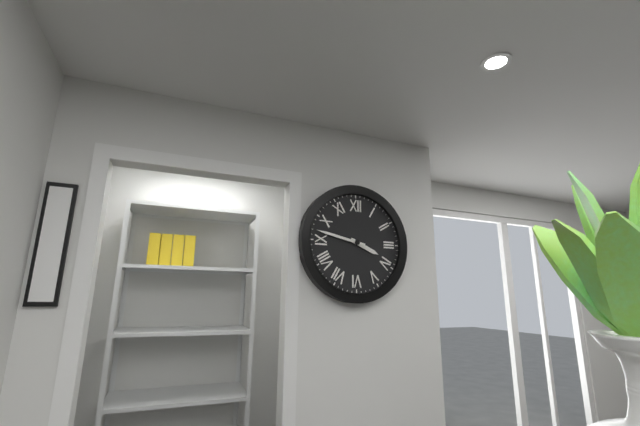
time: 3:47
